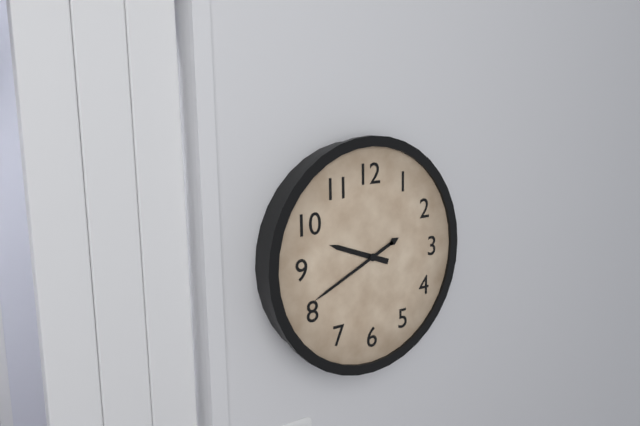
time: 9:41
